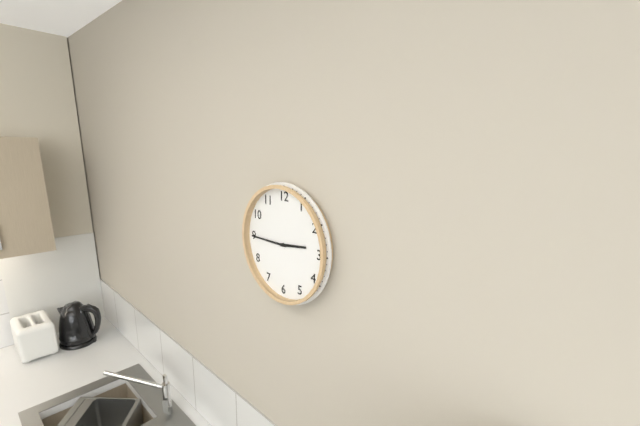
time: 2:45
